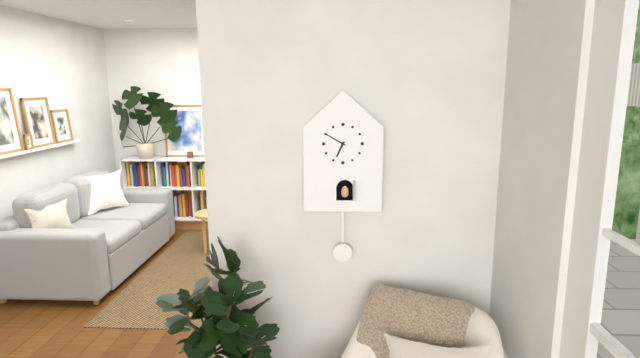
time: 6:50
